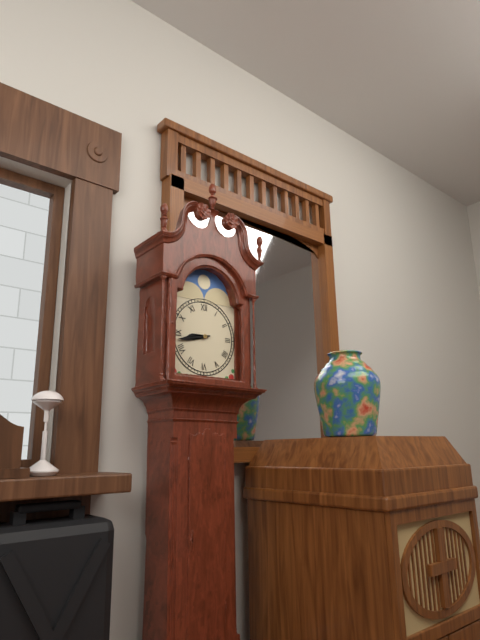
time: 8:43
